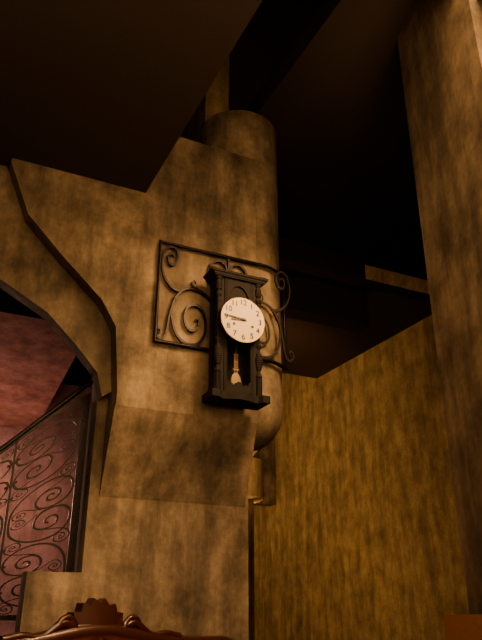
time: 8:46
